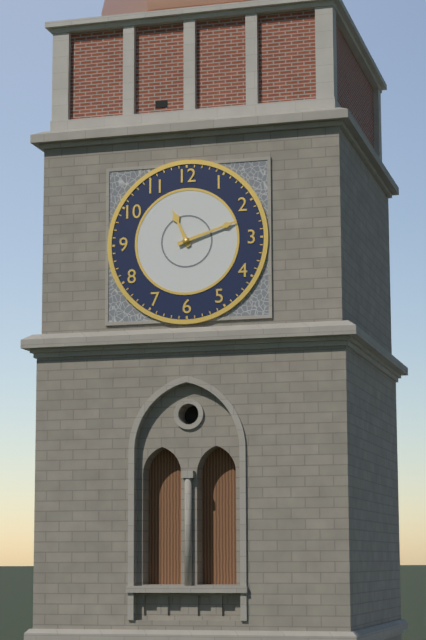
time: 11:12
